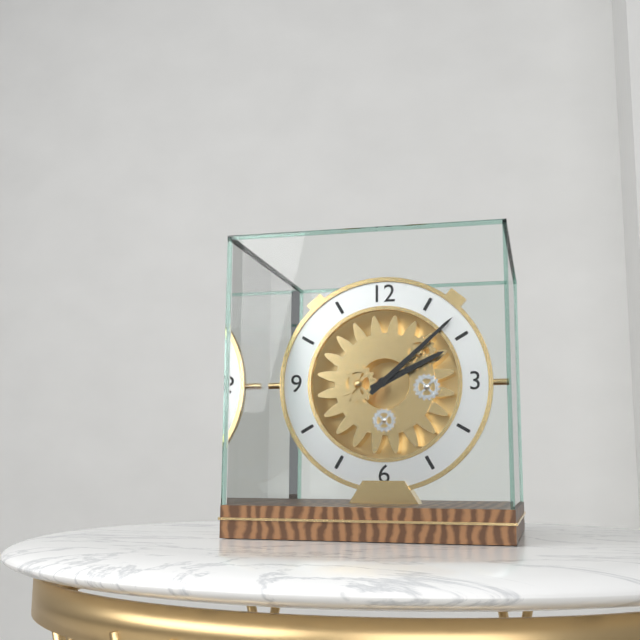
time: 2:08
